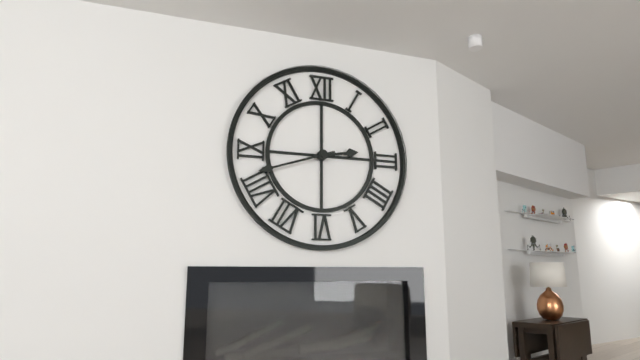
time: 2:42
